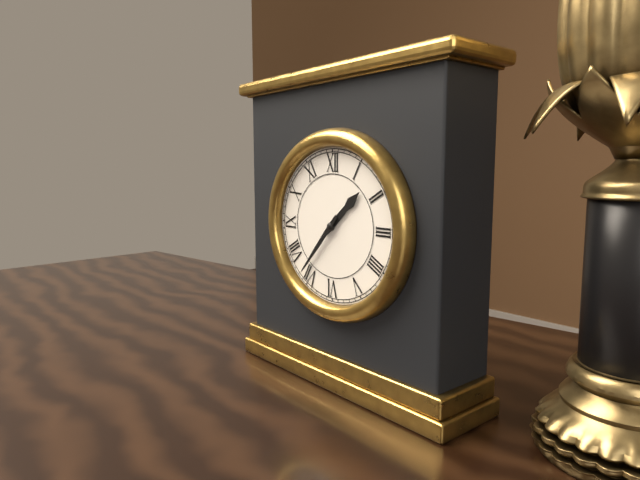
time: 1:37
